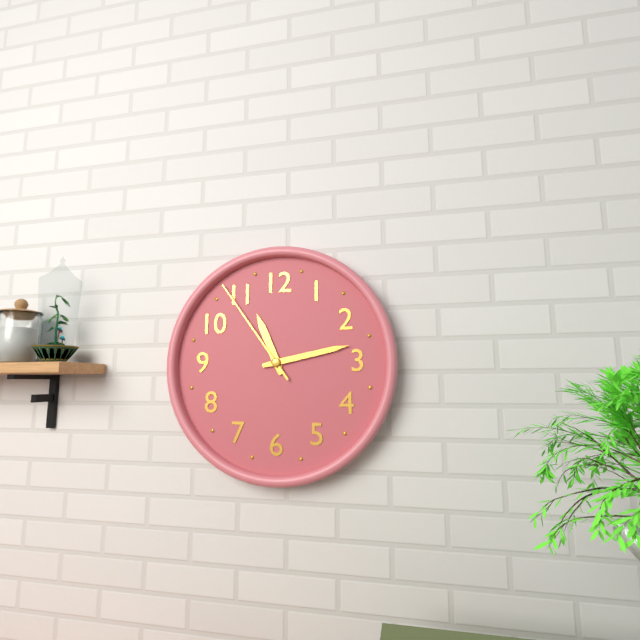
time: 11:13:54
